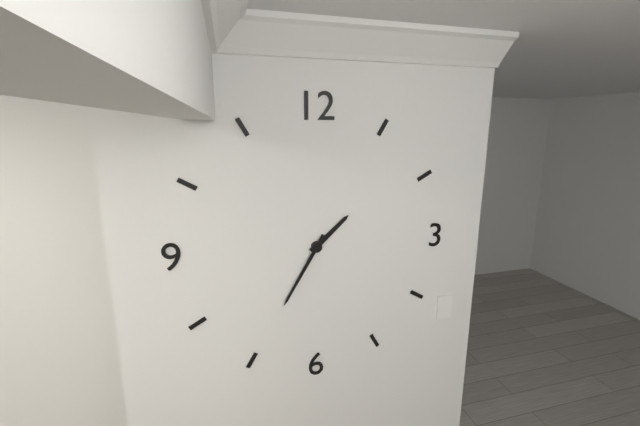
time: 1:35
